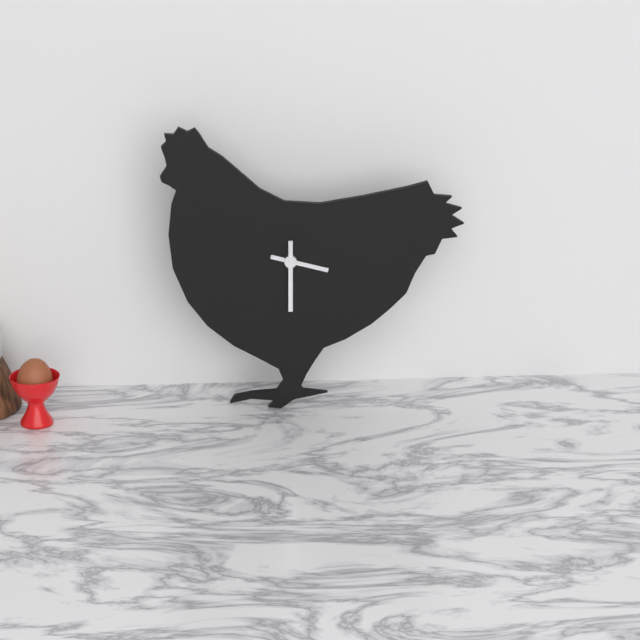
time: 3:30
